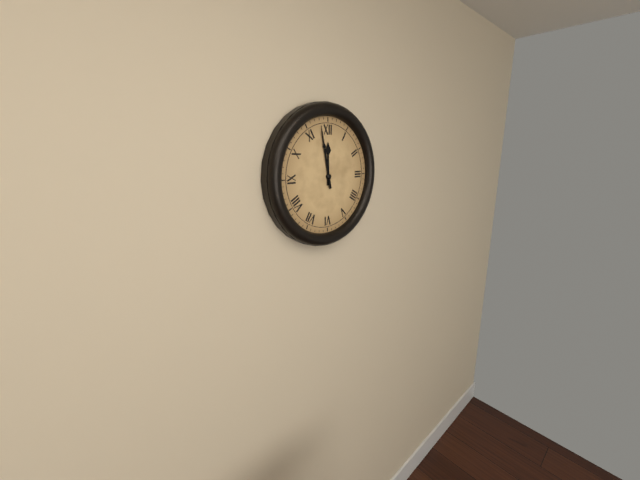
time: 11:58
